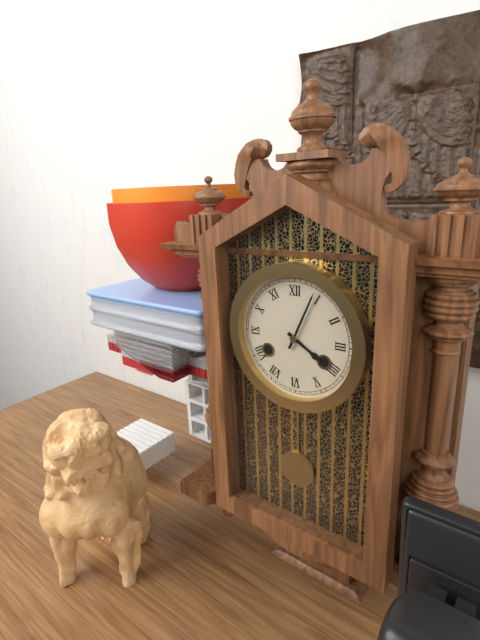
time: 4:04
